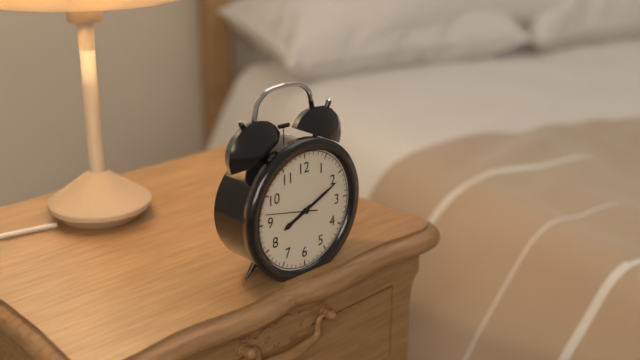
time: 8:11
